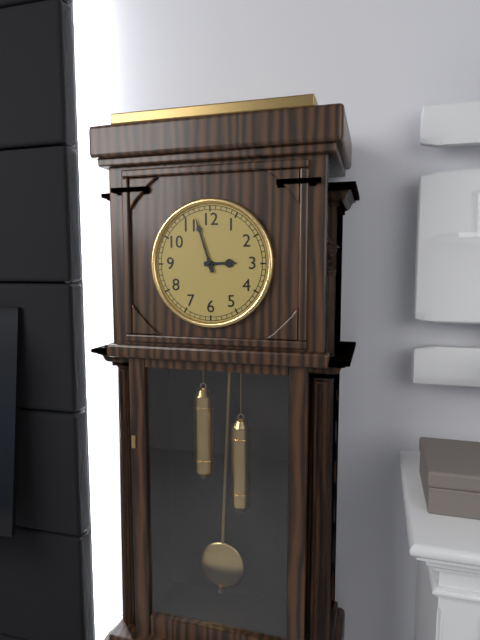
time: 2:57
